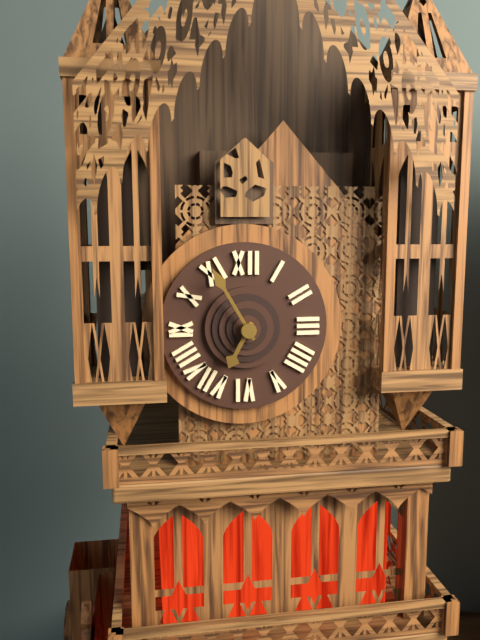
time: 6:55
